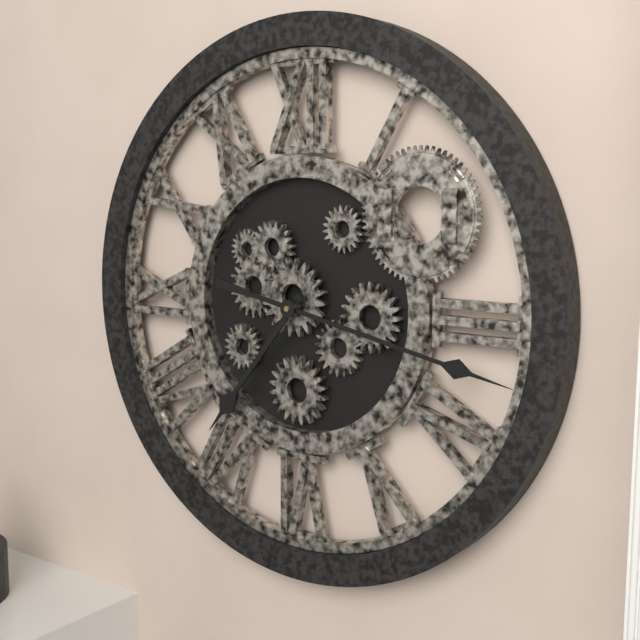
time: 7:17
